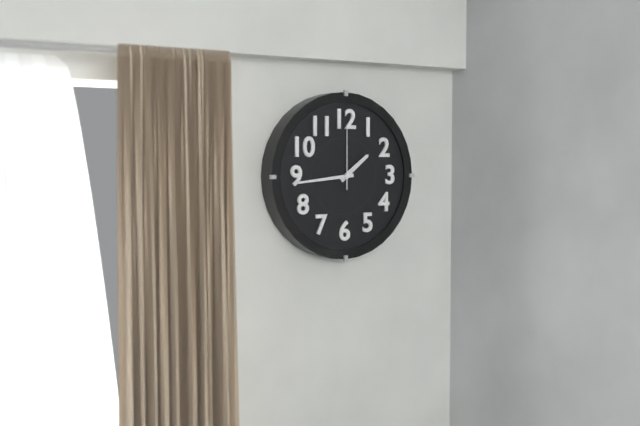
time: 1:44:00
